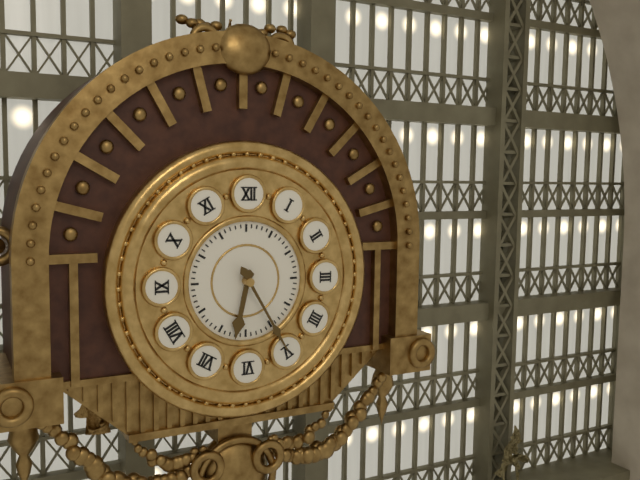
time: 6:25
